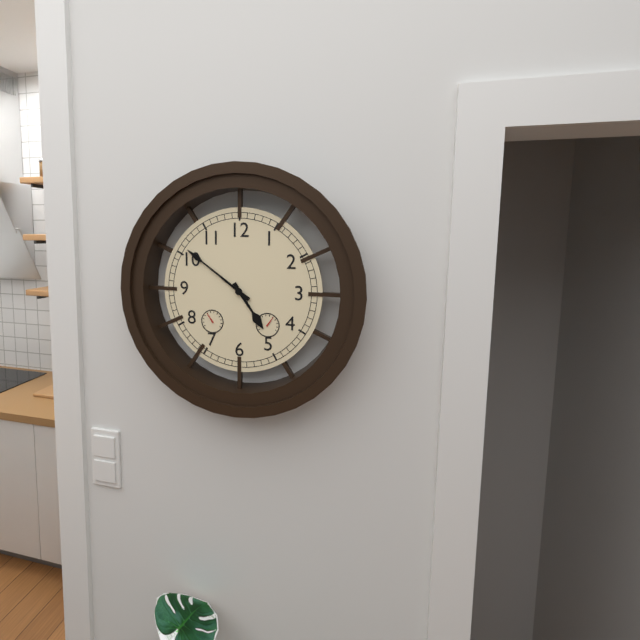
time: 4:51
